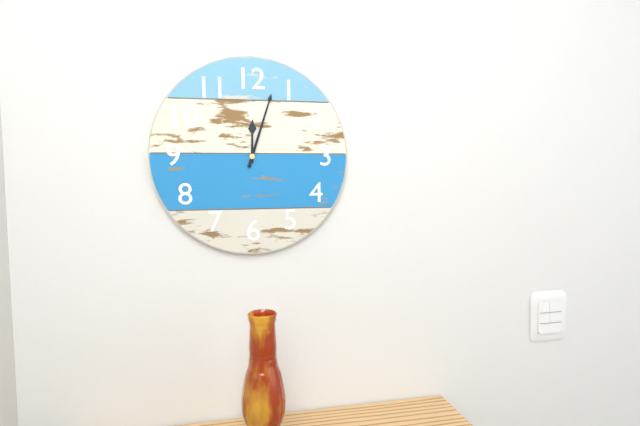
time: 12:03
